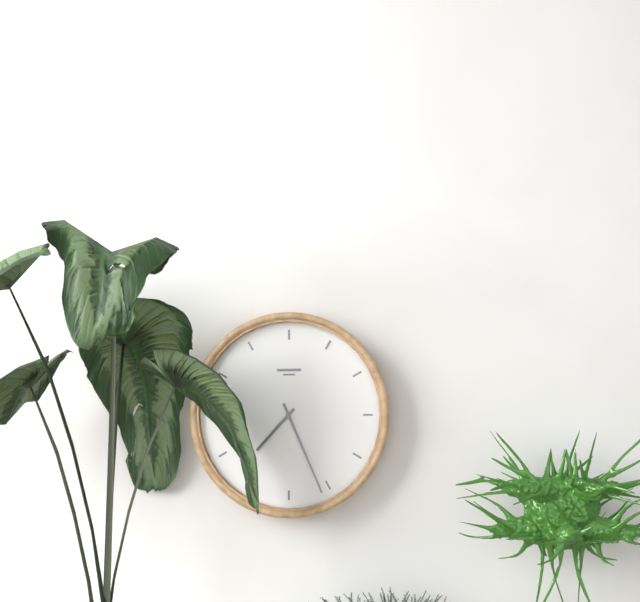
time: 7:26
